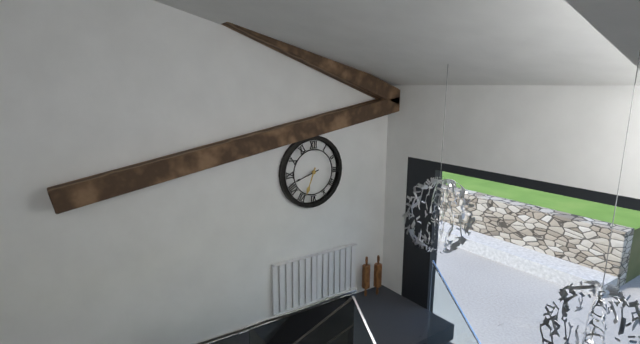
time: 6:42
